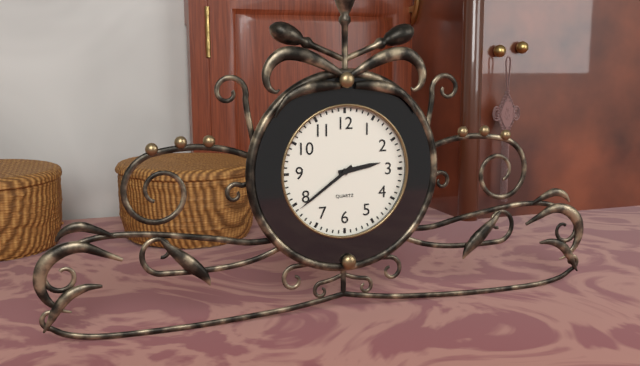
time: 2:39
